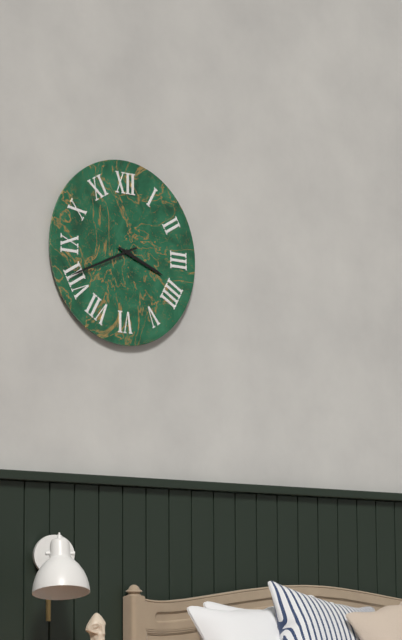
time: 3:41
